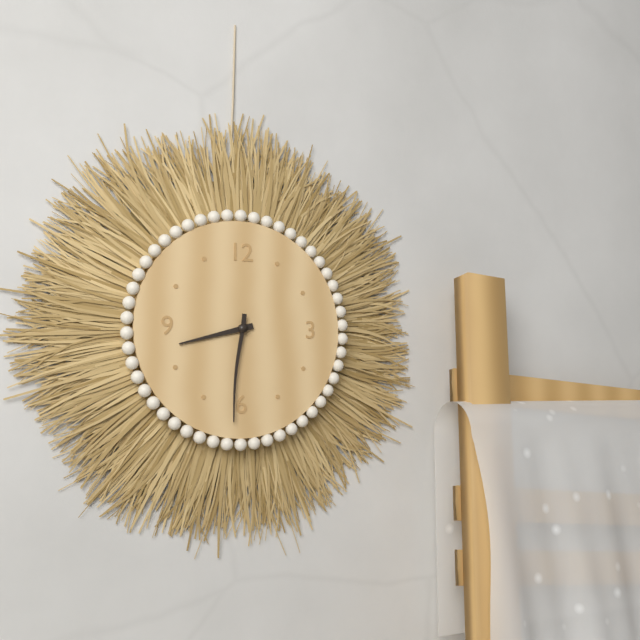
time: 8:31
